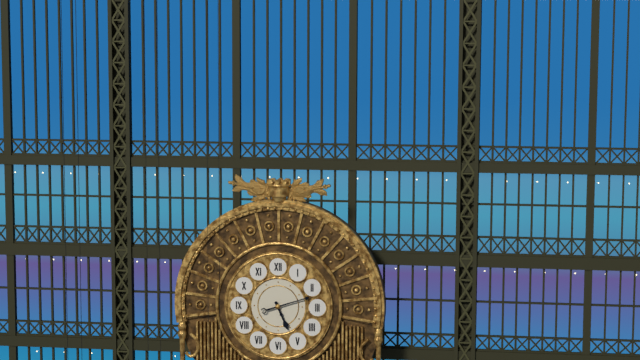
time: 5:12
